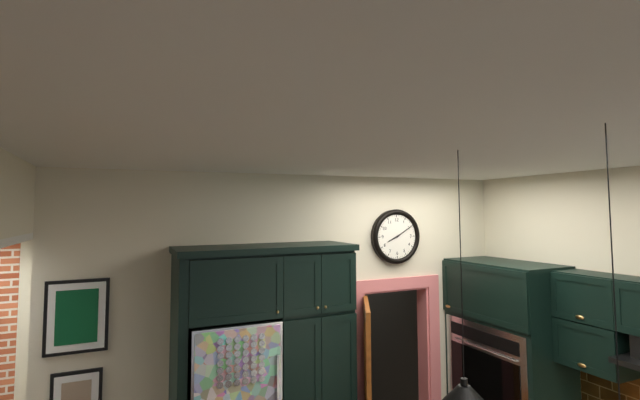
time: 8:10
